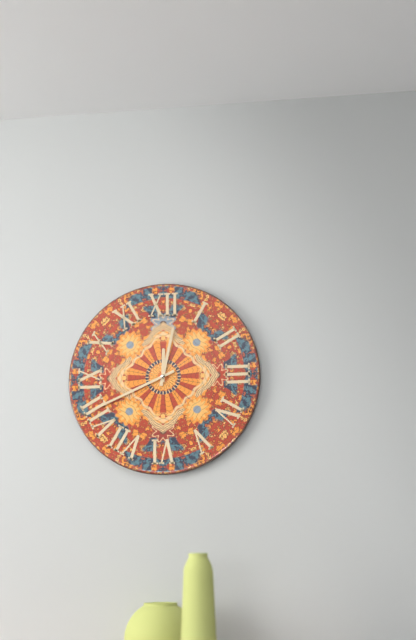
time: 12:02:41
